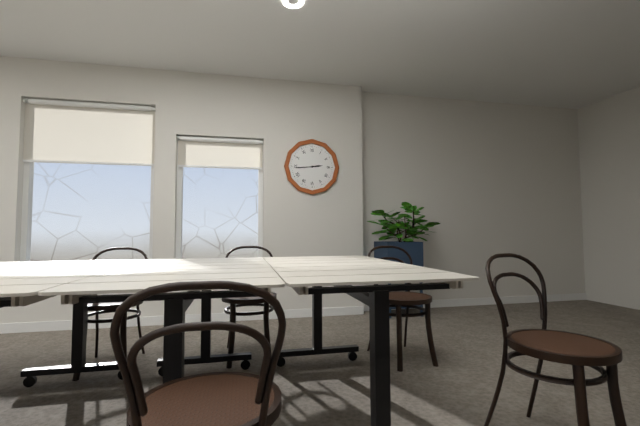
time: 2:44
